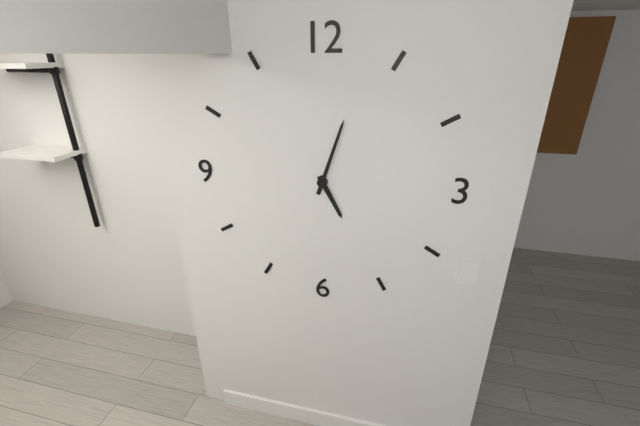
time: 5:03
